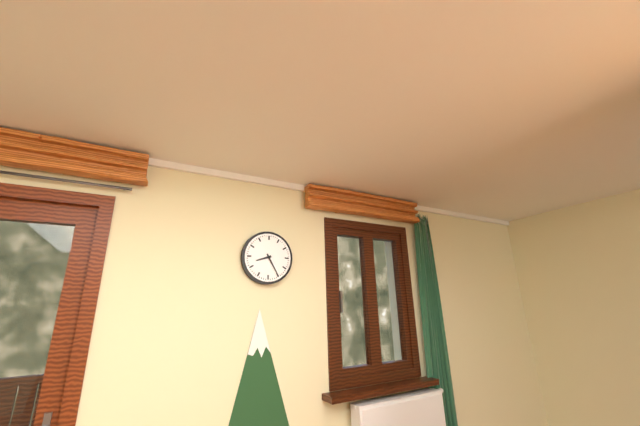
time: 8:25
